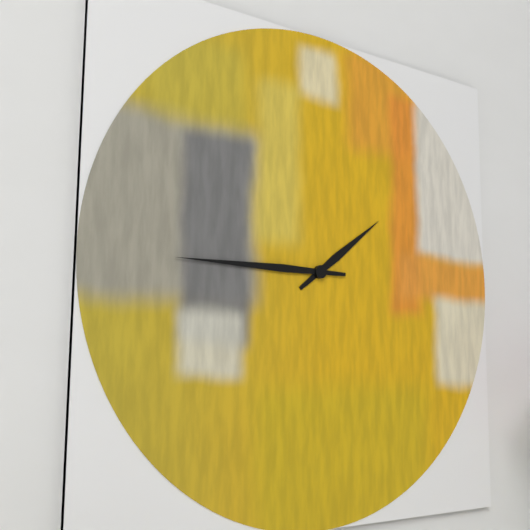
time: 1:45
